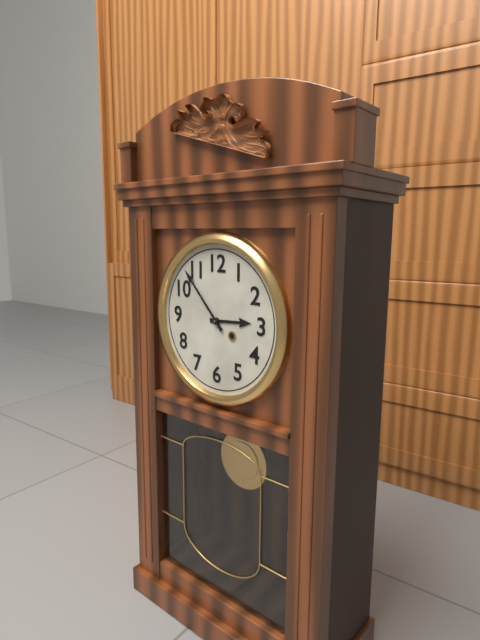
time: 2:53
